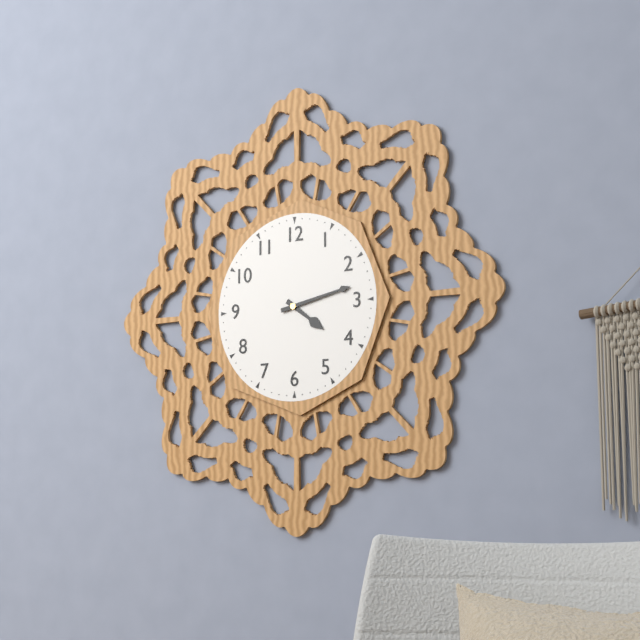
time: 4:13
